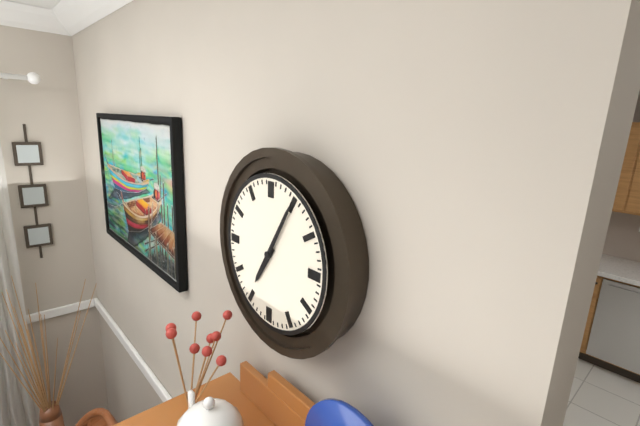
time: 7:05
